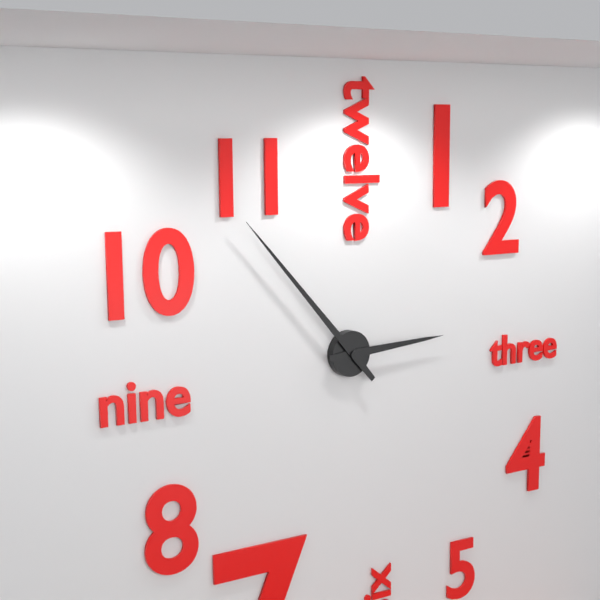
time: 2:53
